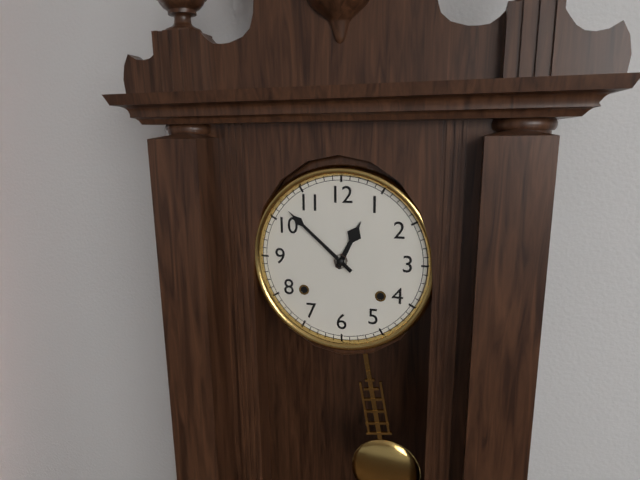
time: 12:52
